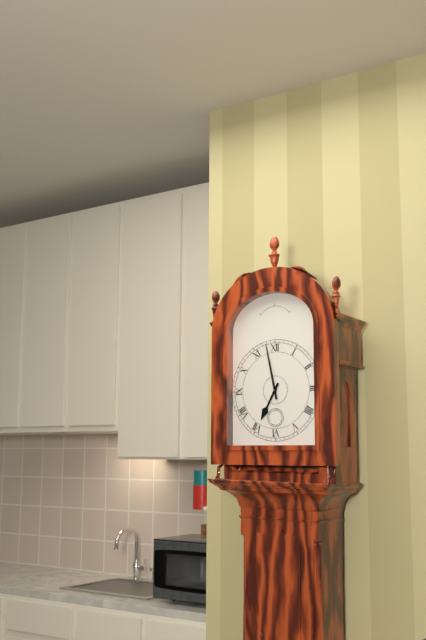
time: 6:58
